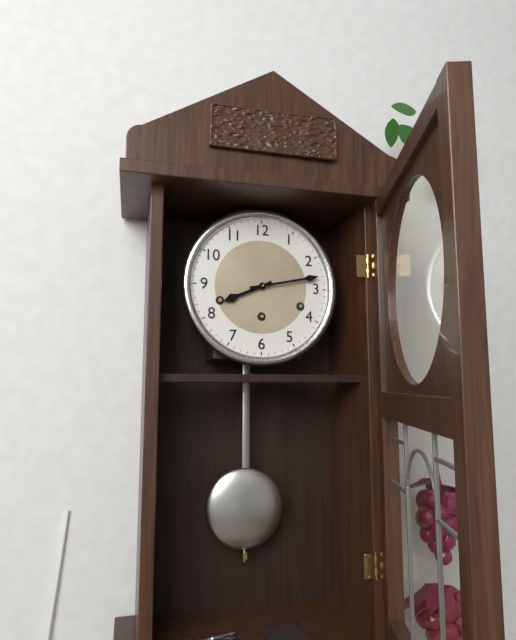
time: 8:13
